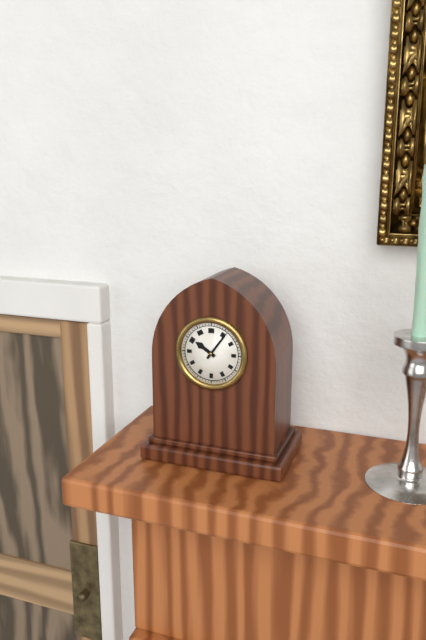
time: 10:06
